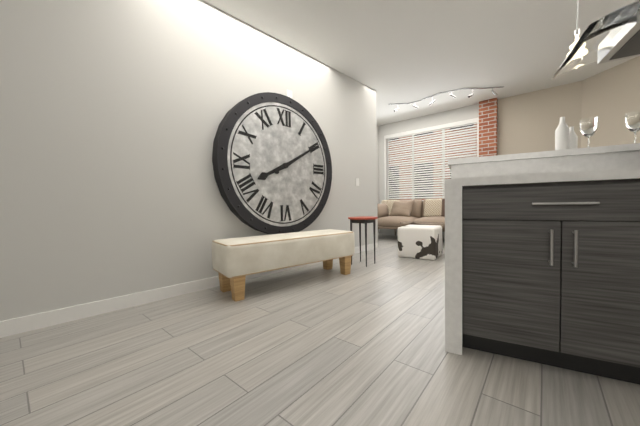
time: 8:10
